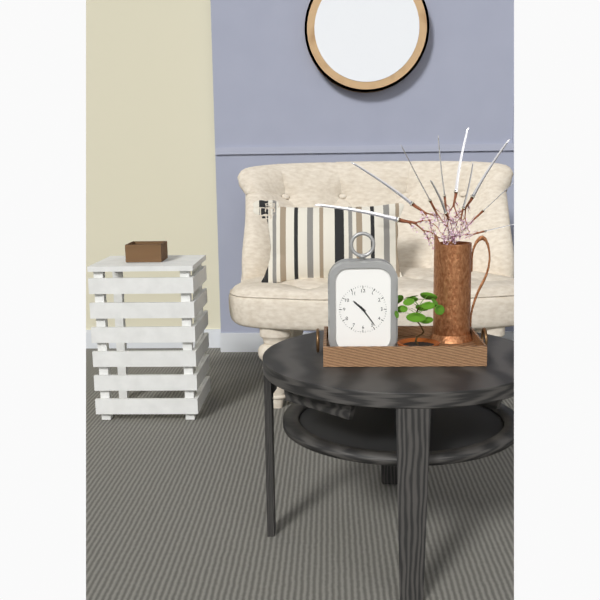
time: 10:24
